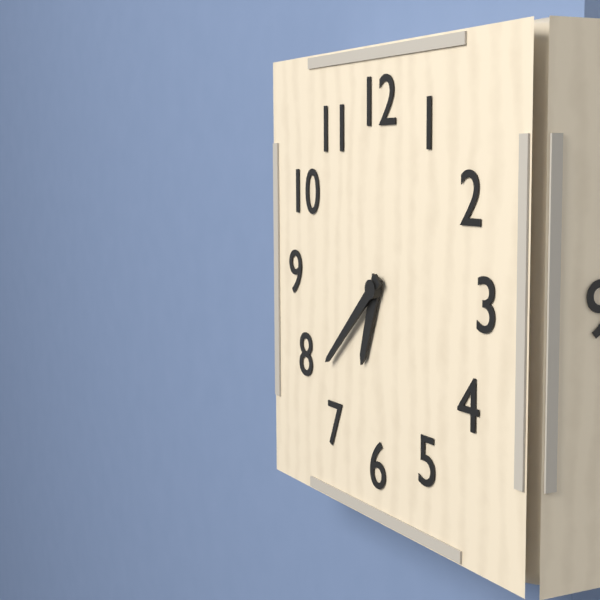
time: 6:38
